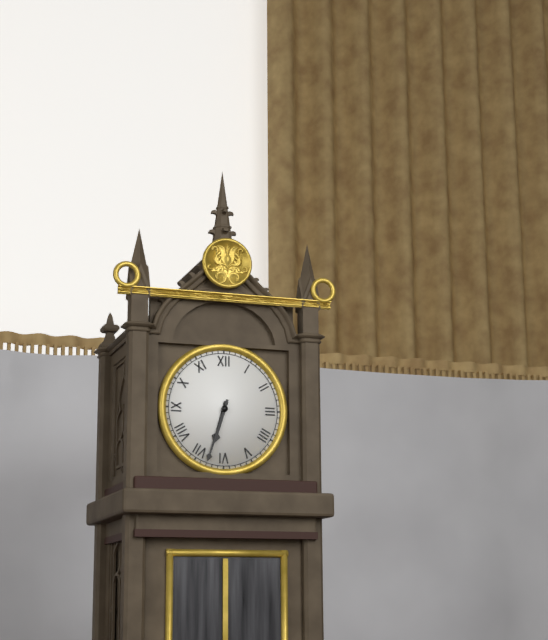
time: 6:33
